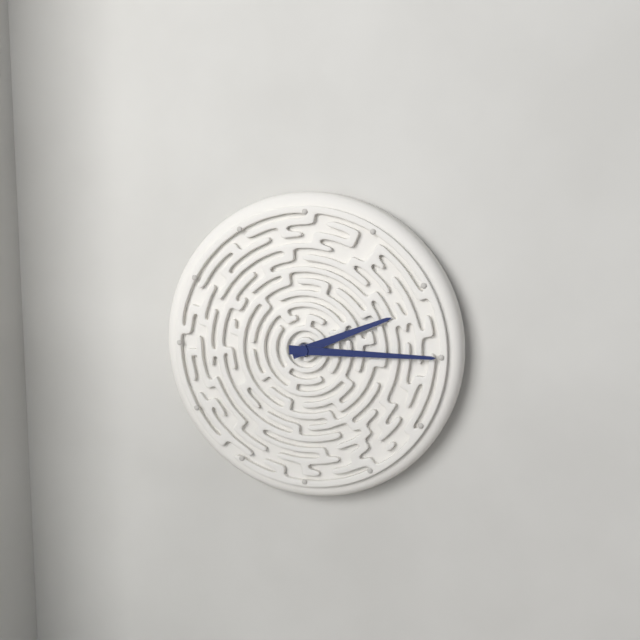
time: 2:15
